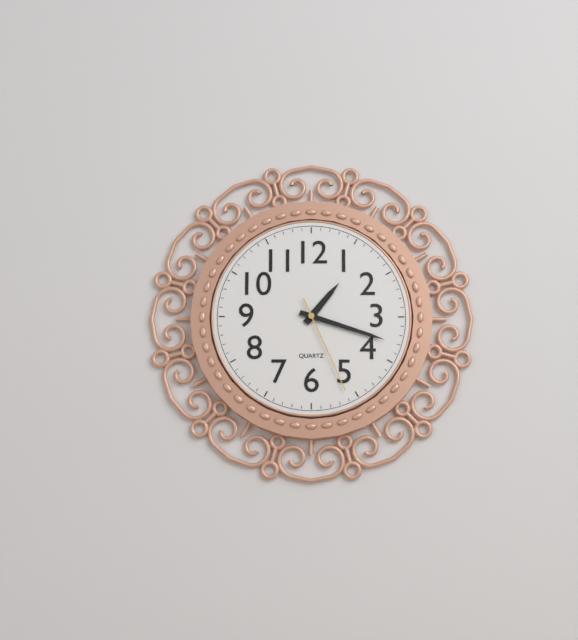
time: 1:18:26
